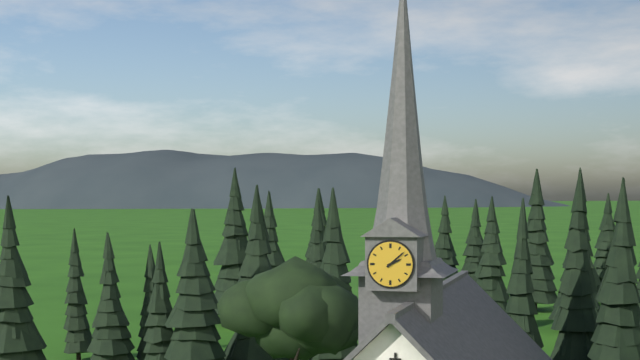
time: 2:08
